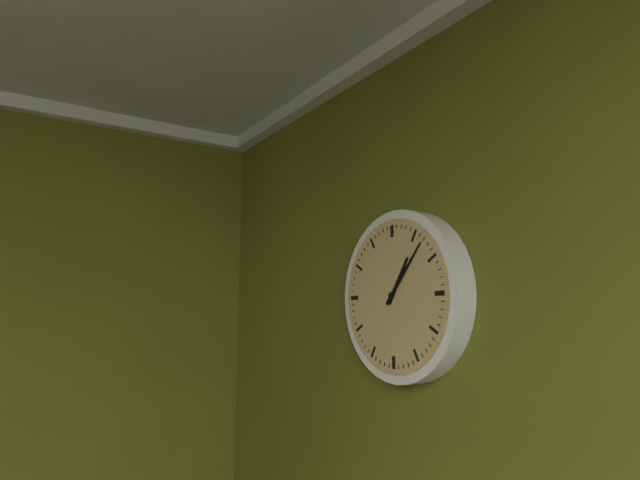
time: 1:07
